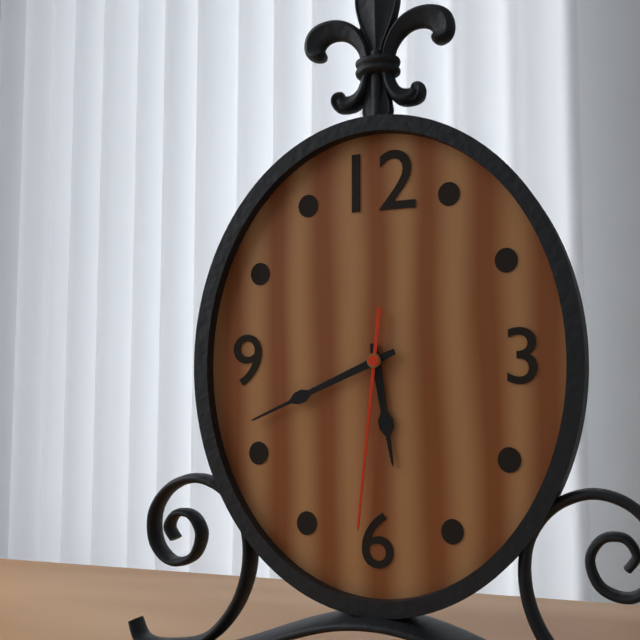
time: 5:41:31
